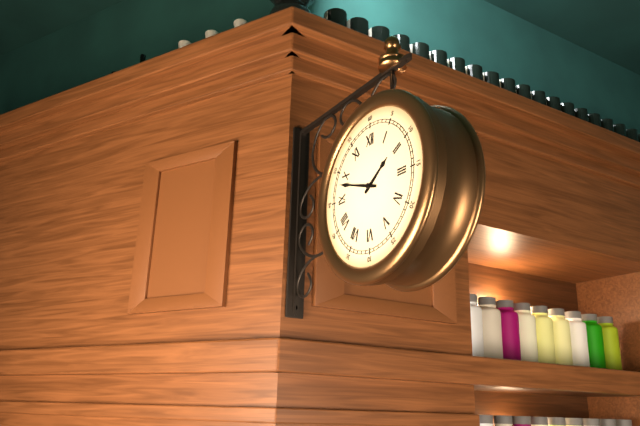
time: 1:48
